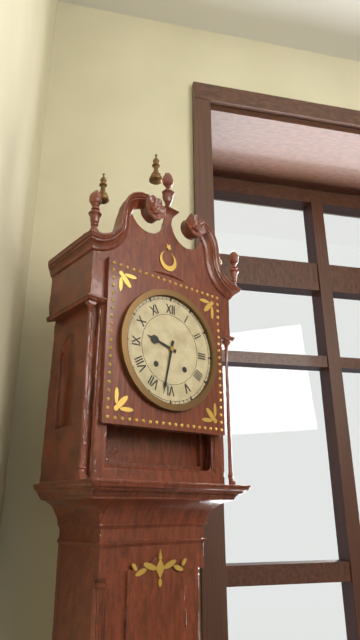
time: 9:32
